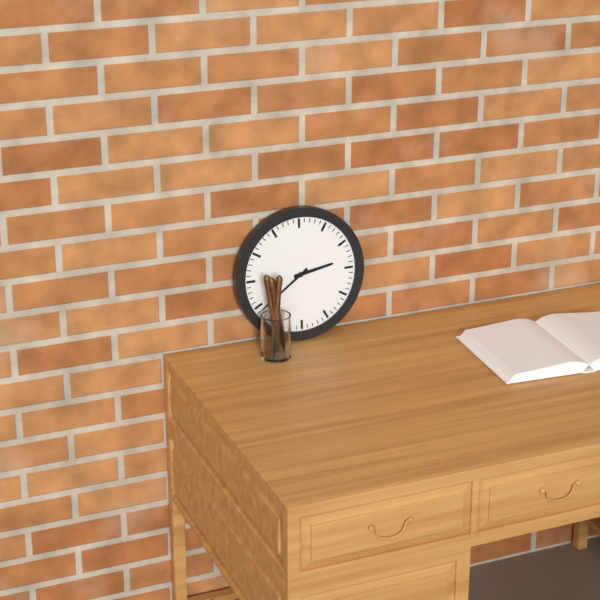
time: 2:39
